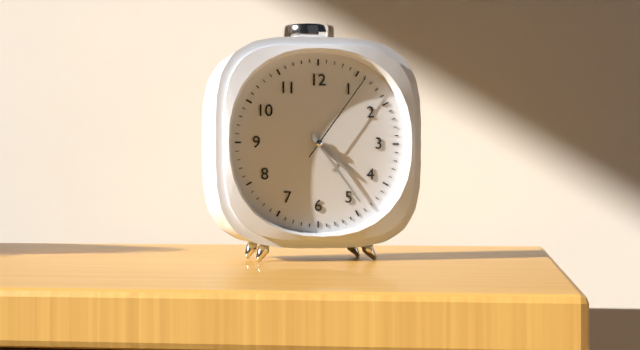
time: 4:24:06
